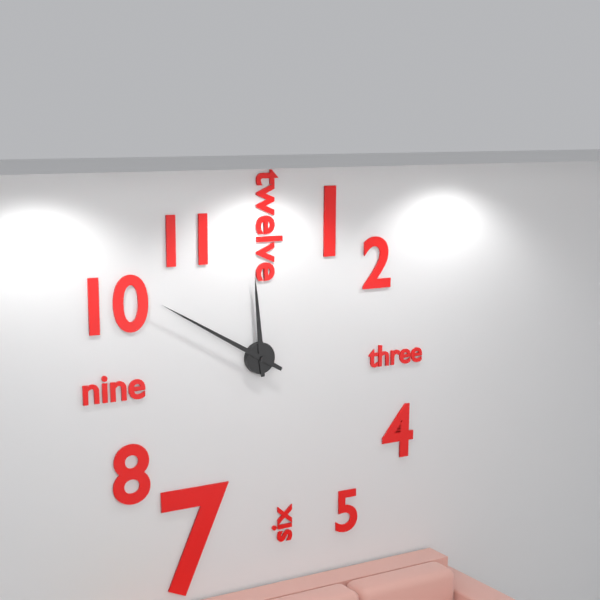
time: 11:50
